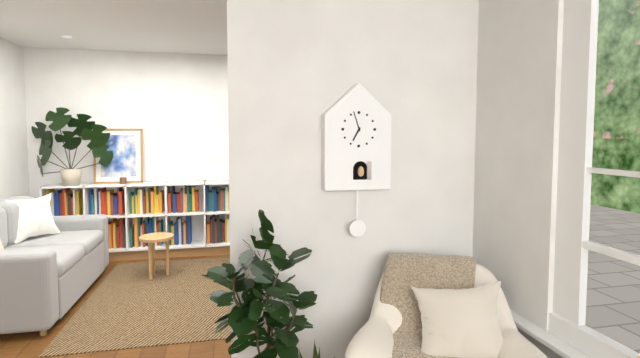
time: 6:57
